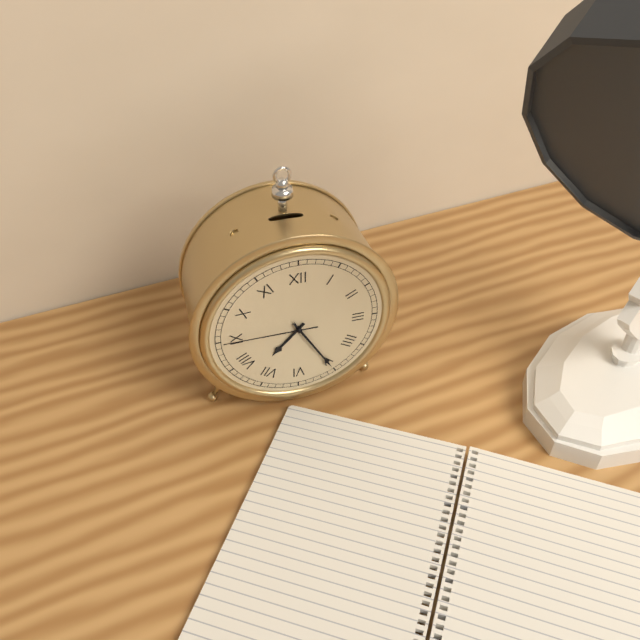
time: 7:25:45
